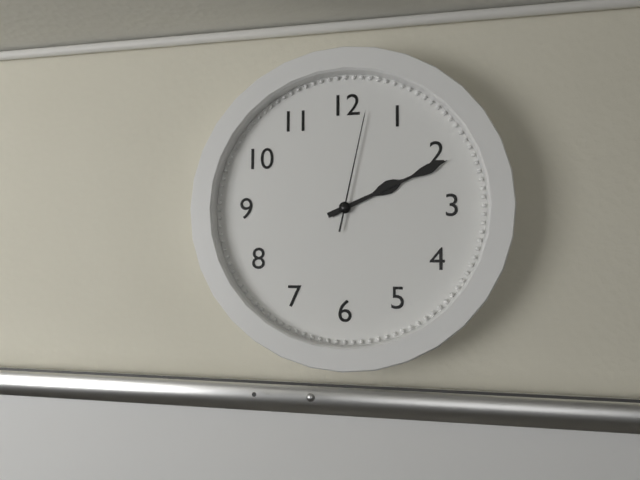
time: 2:11:02
